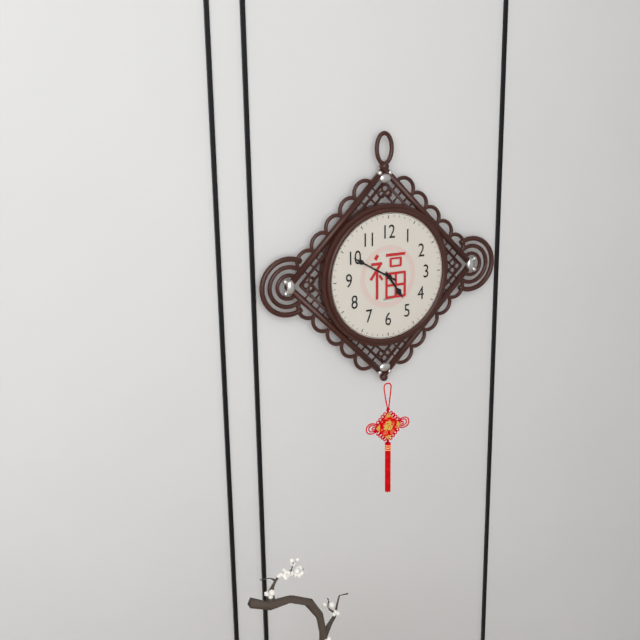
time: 4:50
